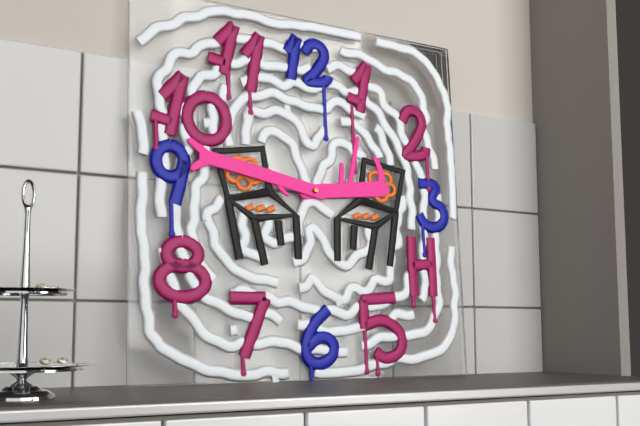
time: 2:47
